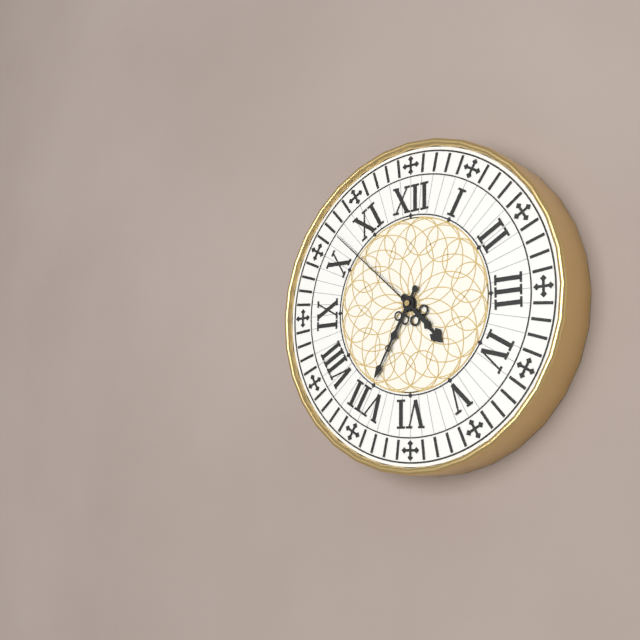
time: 4:35:52
